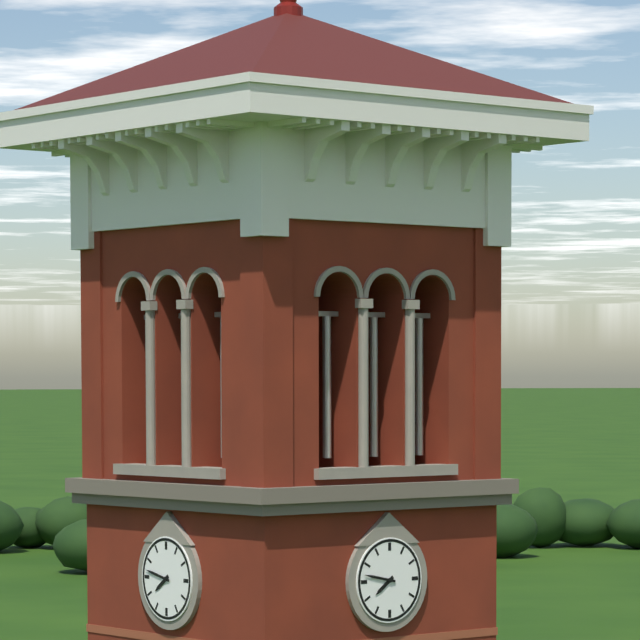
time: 7:47
